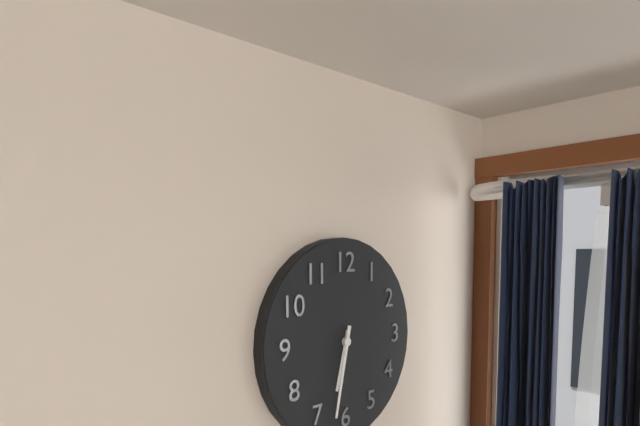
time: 6:32
